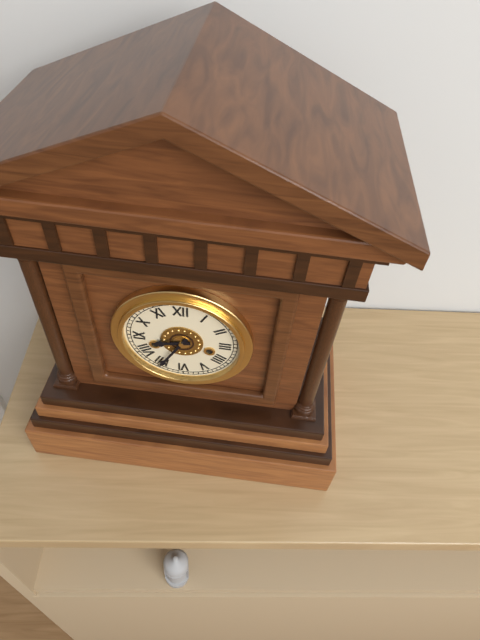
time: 8:35
